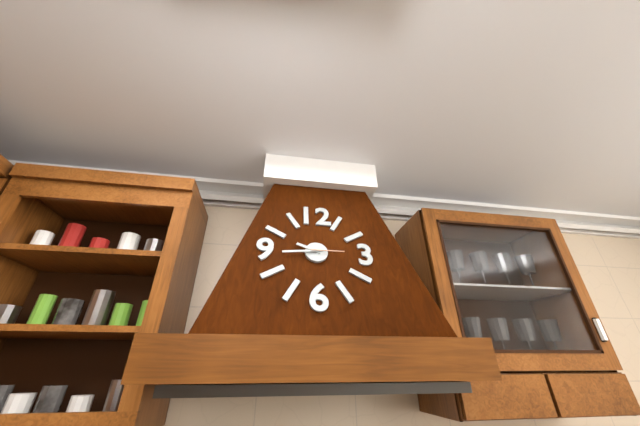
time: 9:44
